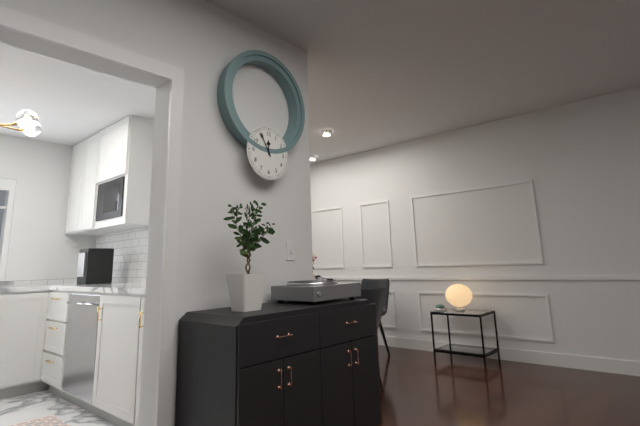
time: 11:55
